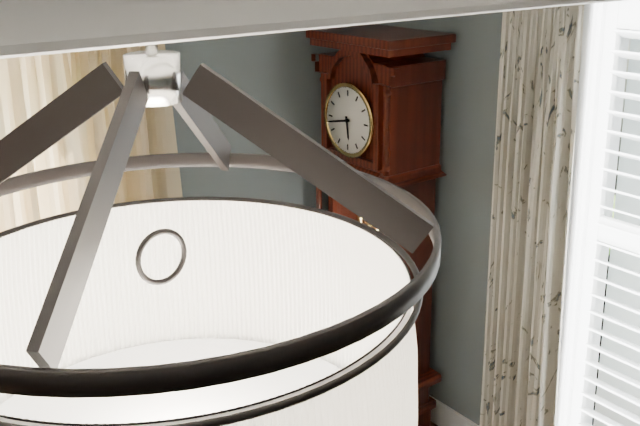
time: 5:43
